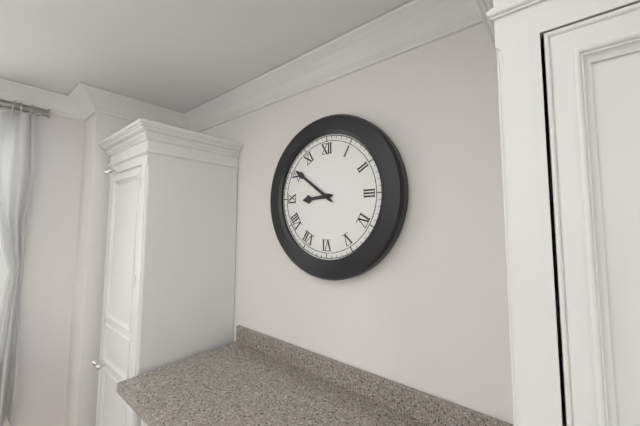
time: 8:51
